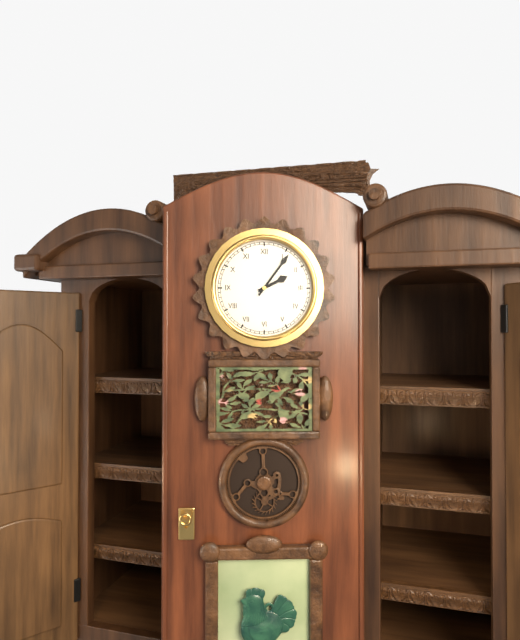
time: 2:06
